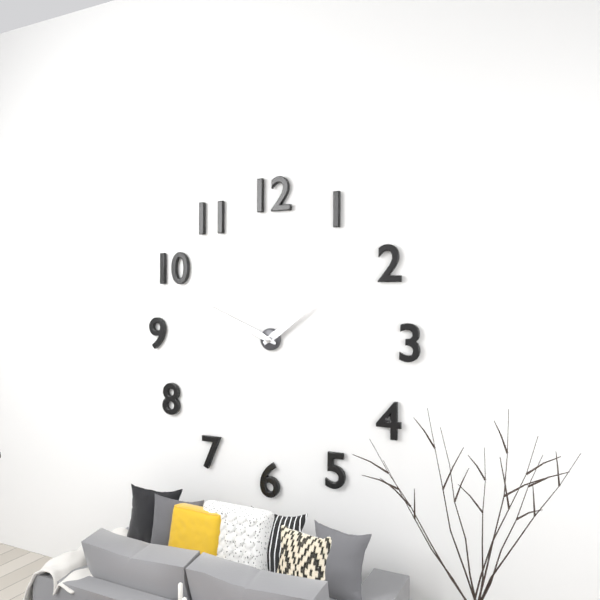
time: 1:49
